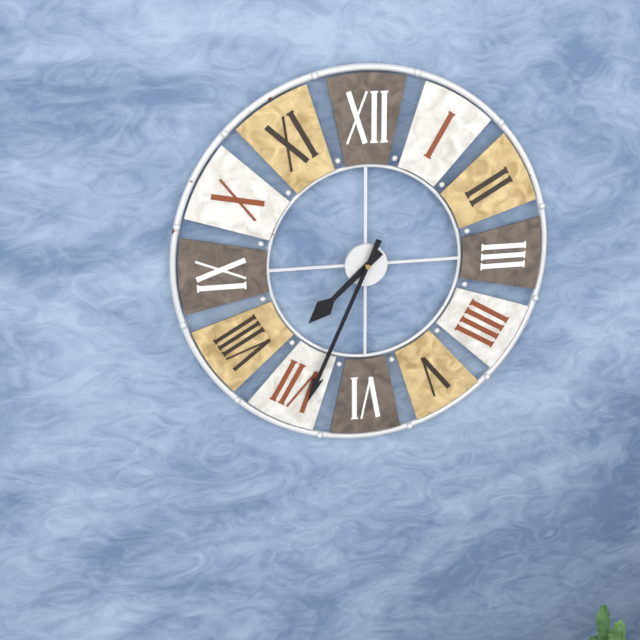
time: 7:34
